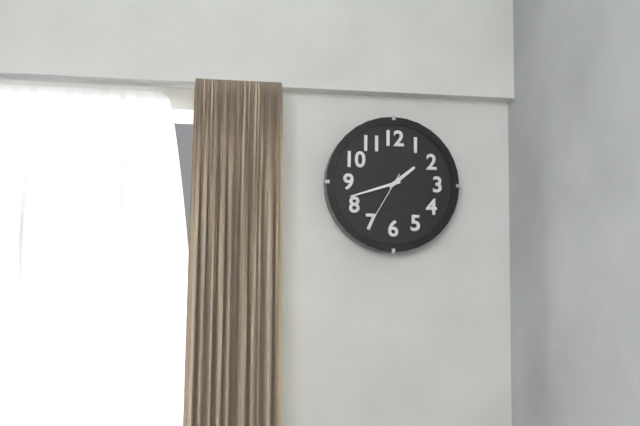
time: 1:42:35
